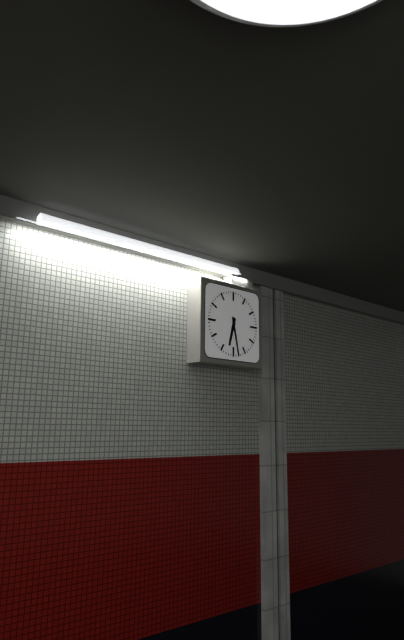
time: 6:28
